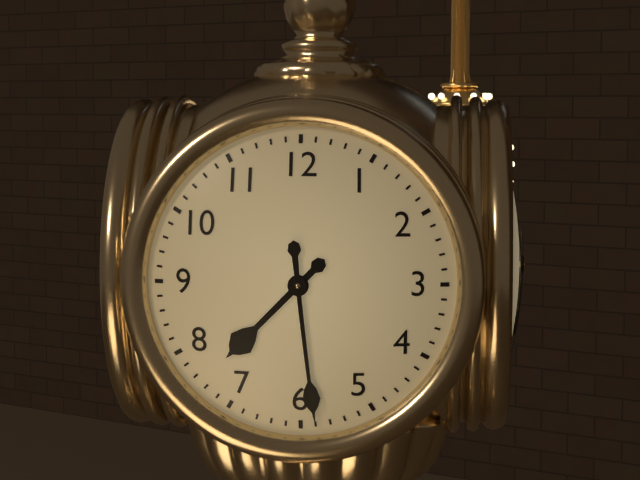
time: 7:29
